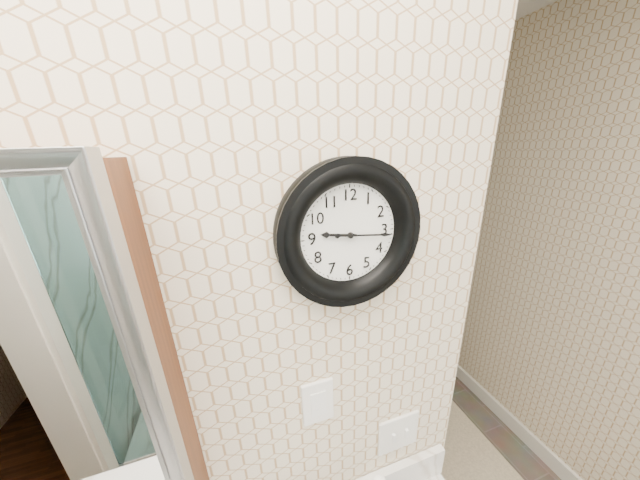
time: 9:16
